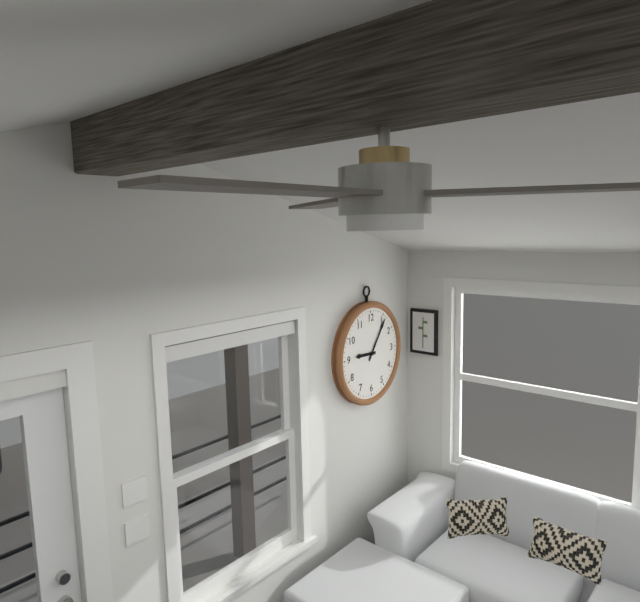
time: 9:06
